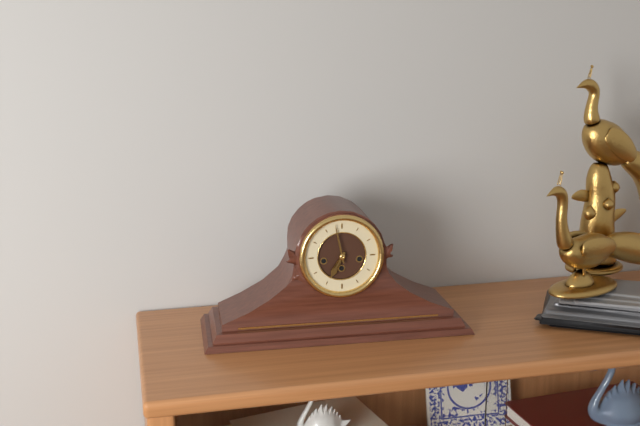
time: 6:58
